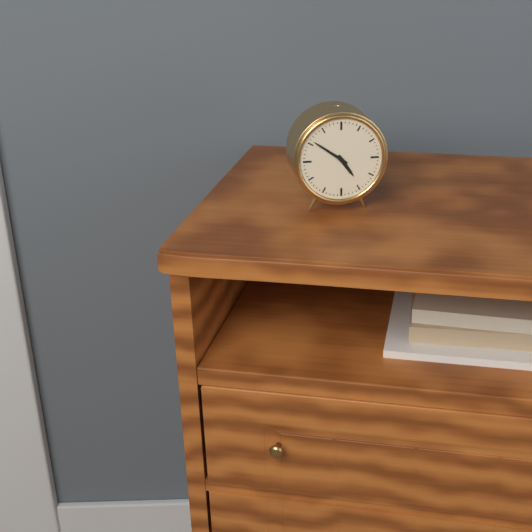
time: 4:51
